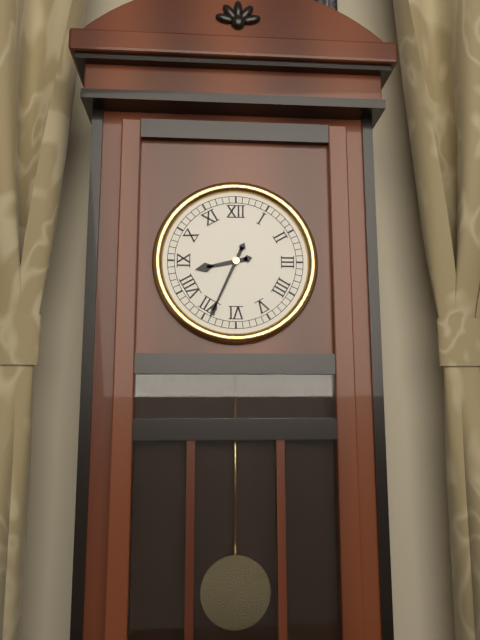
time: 8:34
